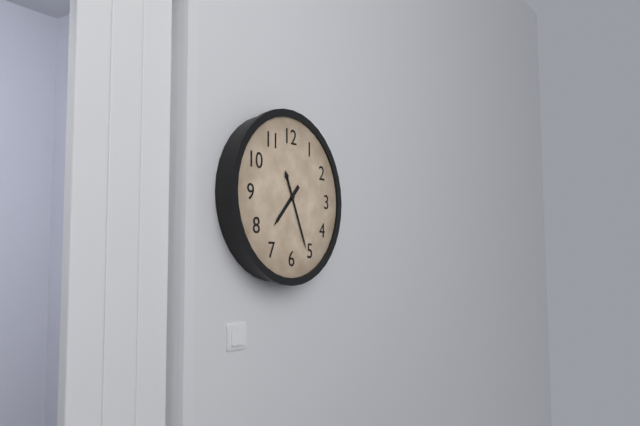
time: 7:26
